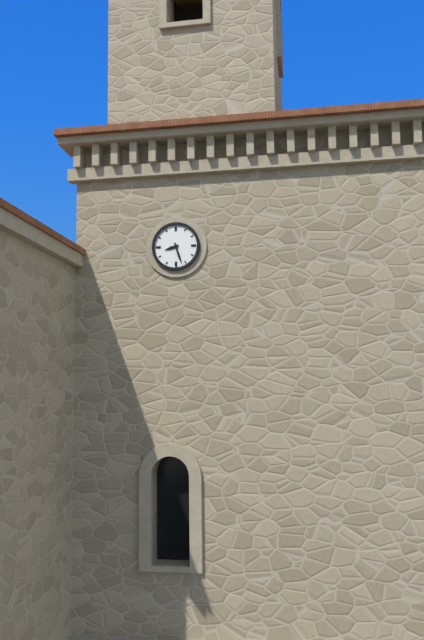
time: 8:27
